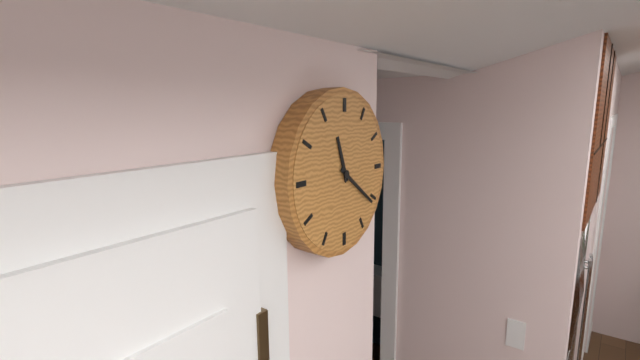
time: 11:21
